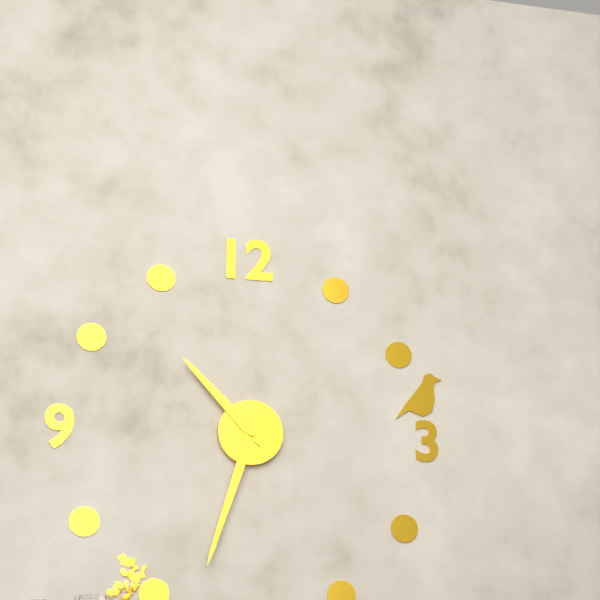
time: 10:33
